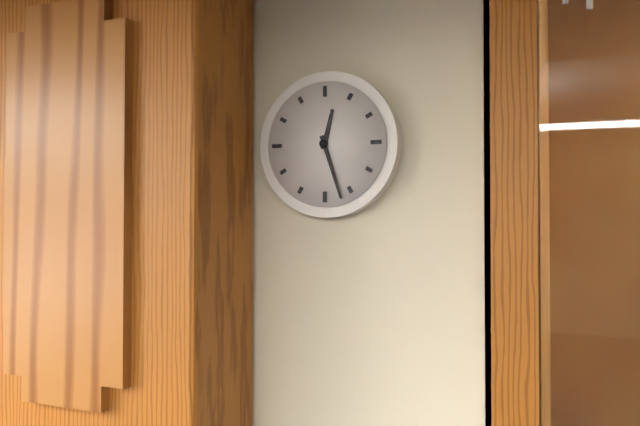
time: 12:27
